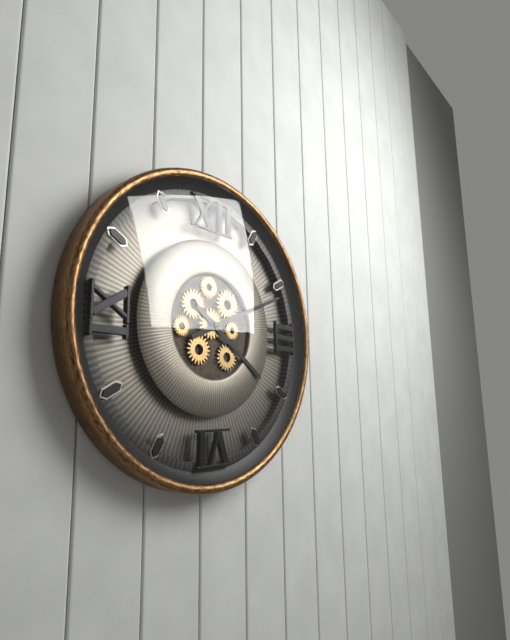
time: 4:11
